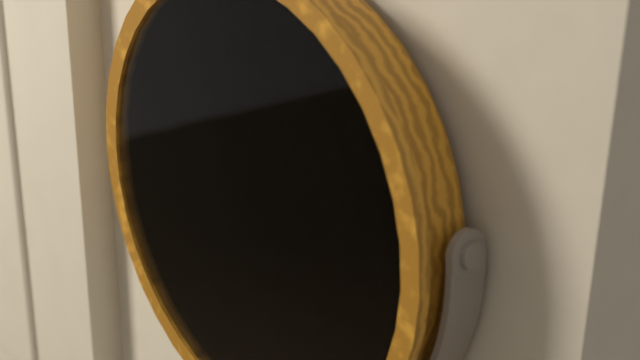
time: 12:52:16
